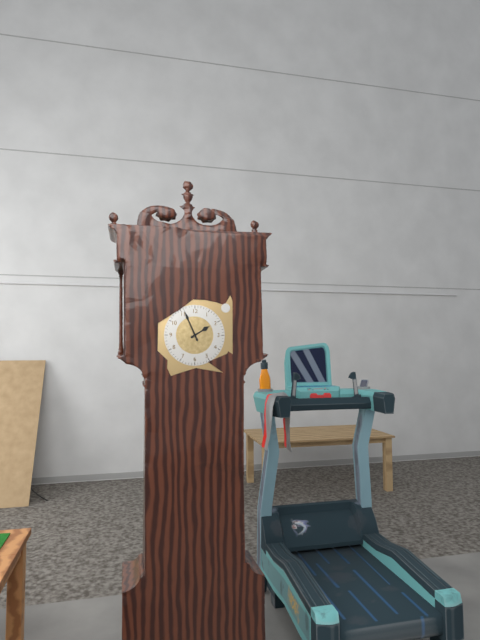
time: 1:56
